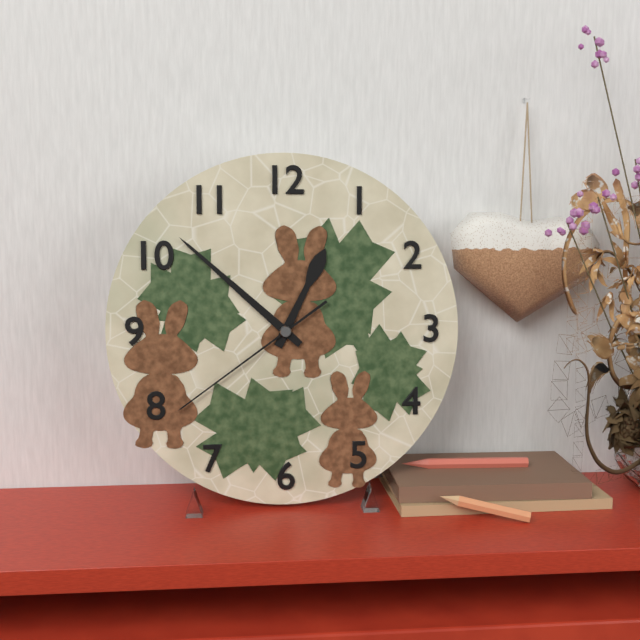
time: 12:52:39
